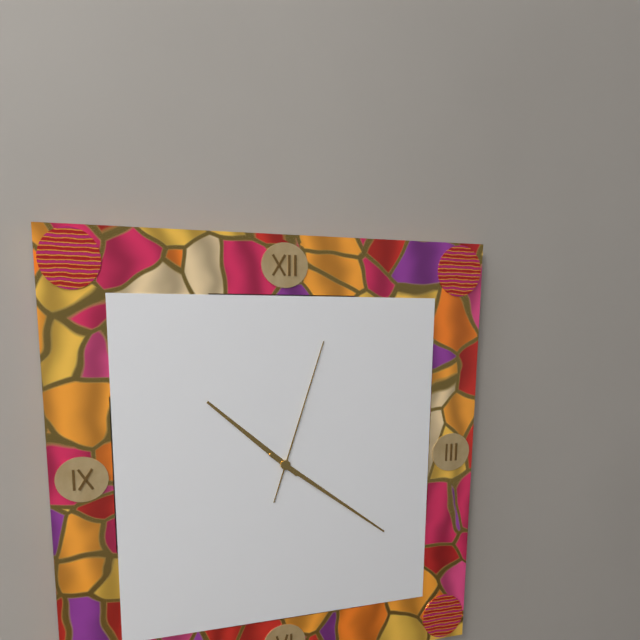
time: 10:21:03
